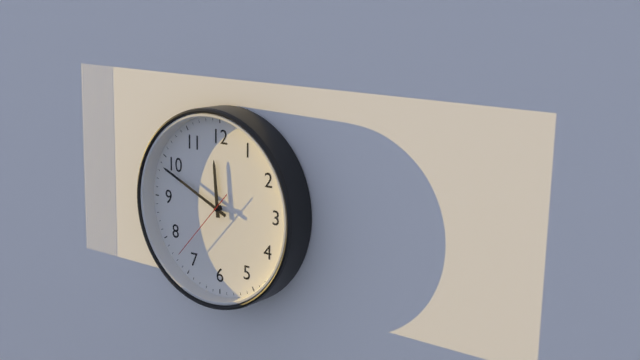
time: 11:49:37
